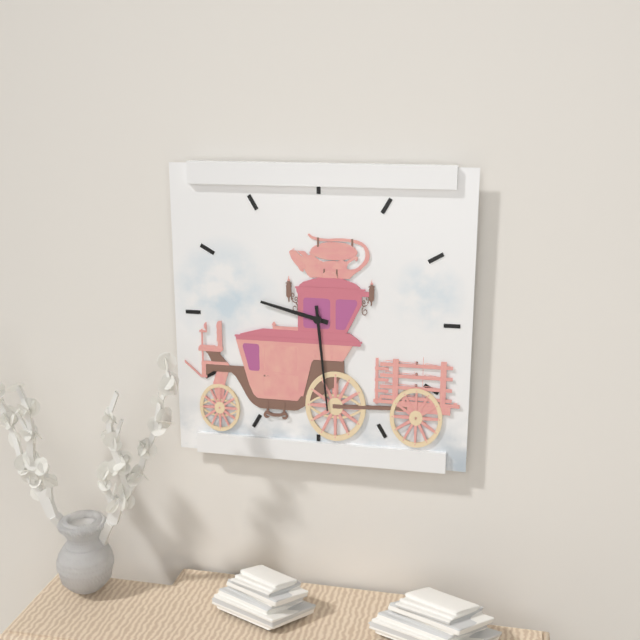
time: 9:29
